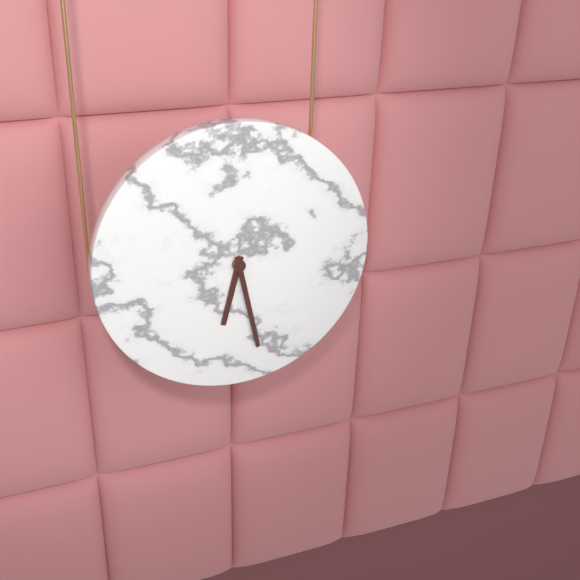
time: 6:28
